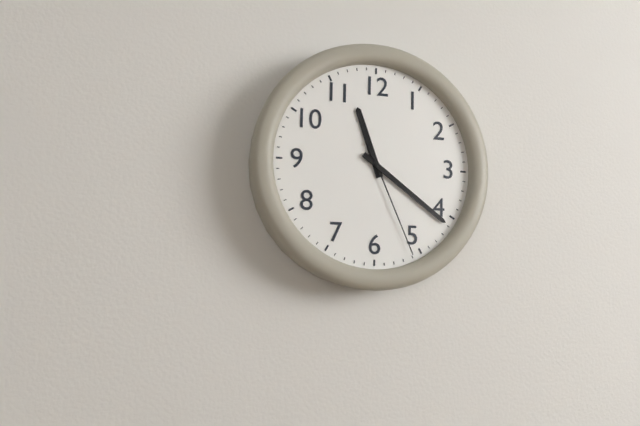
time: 11:21:26
